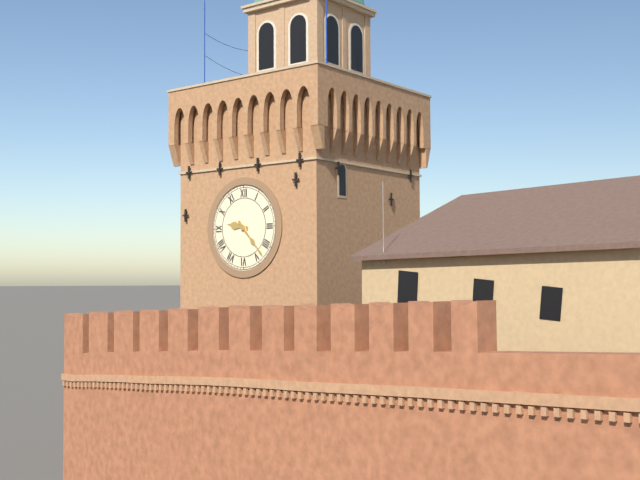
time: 9:23
